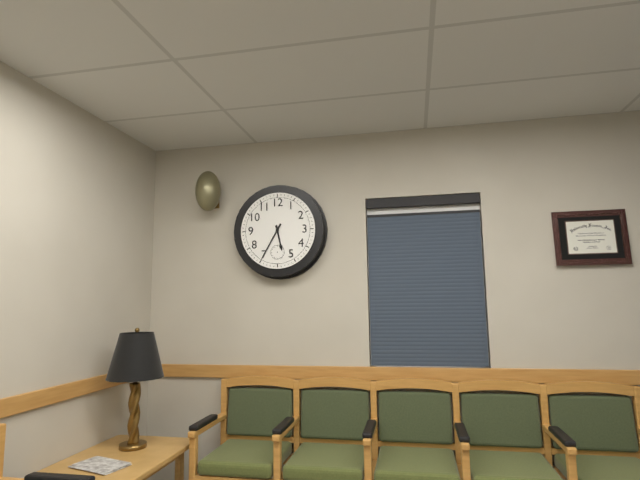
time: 5:35
